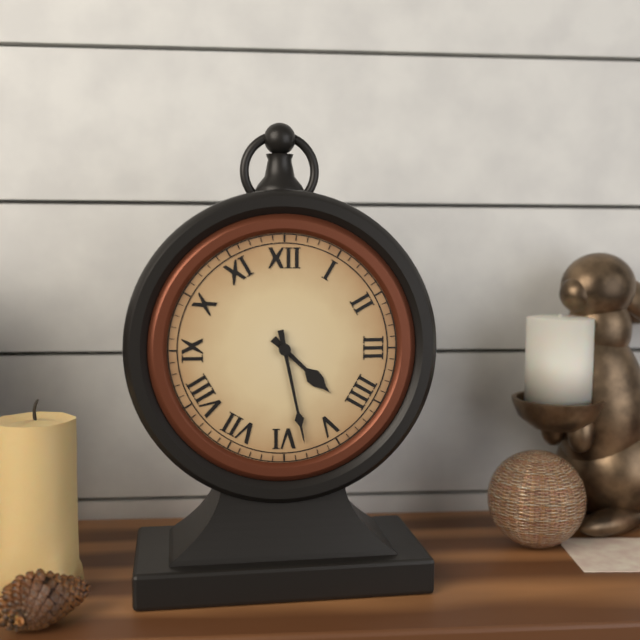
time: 4:28
